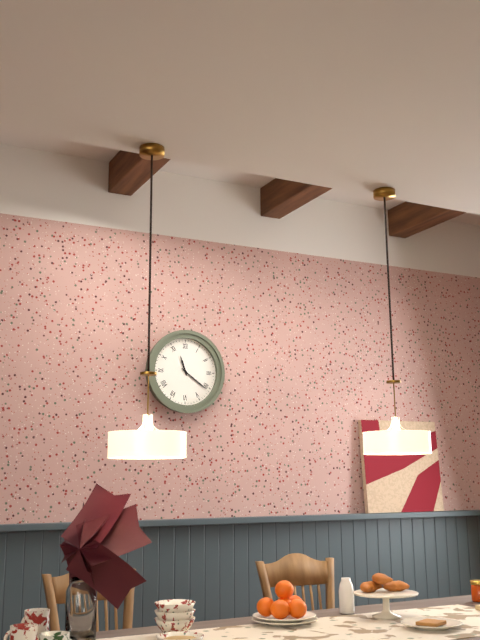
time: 11:21
